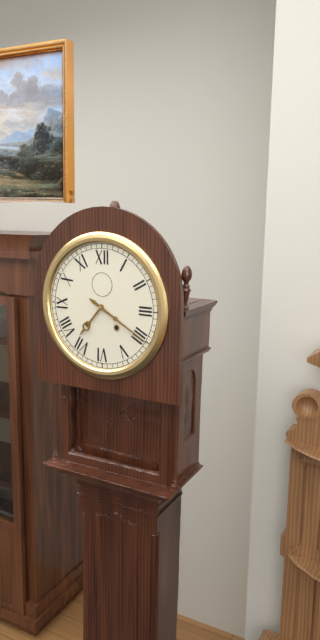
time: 7:20
